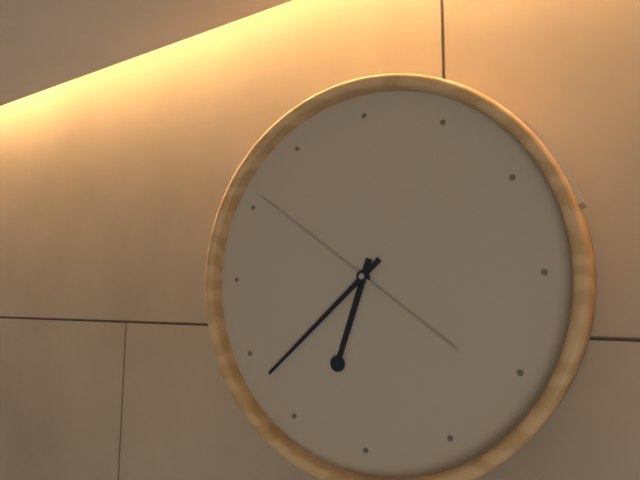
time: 6:38:51
